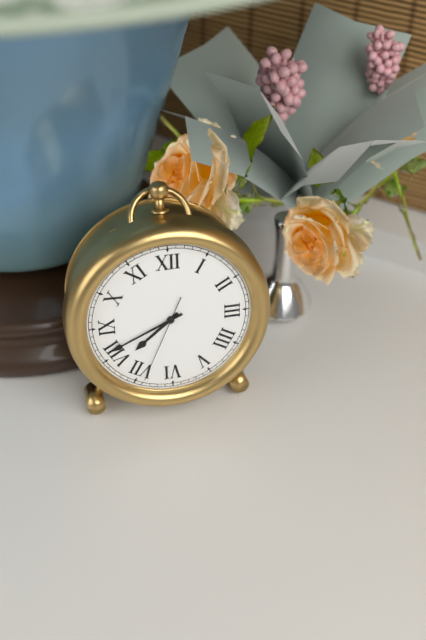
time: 7:41:34
